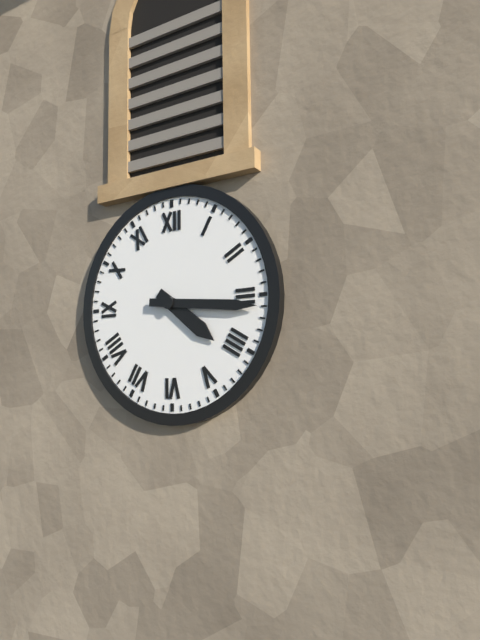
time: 4:16
